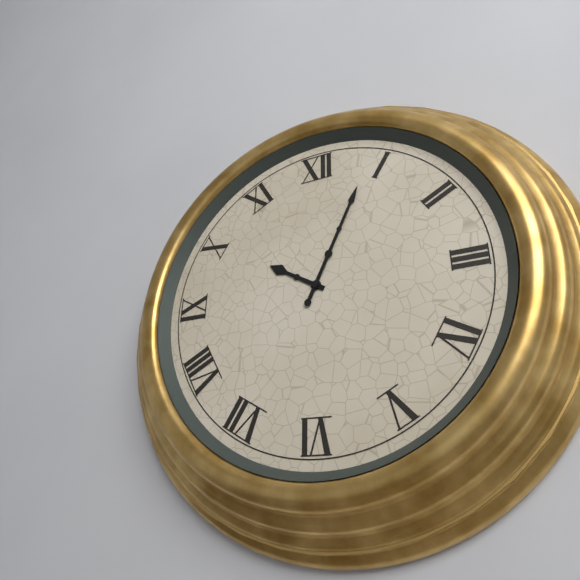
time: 10:04
